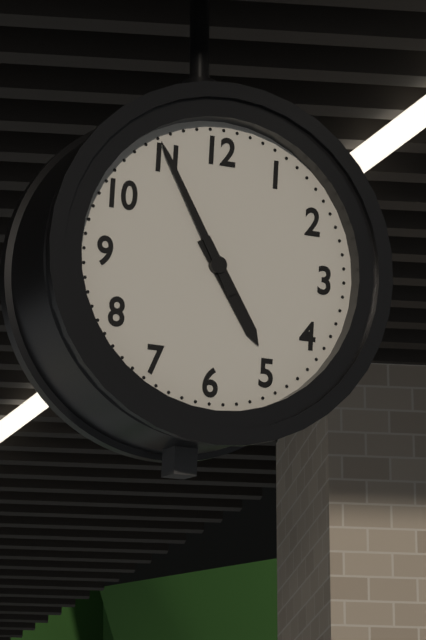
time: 4:55
